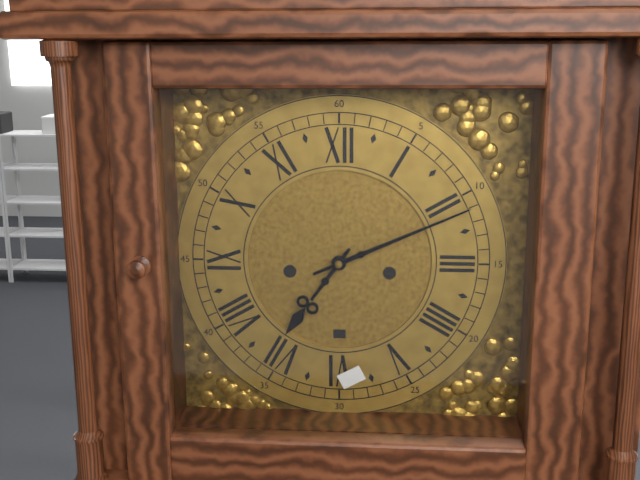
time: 7:11
